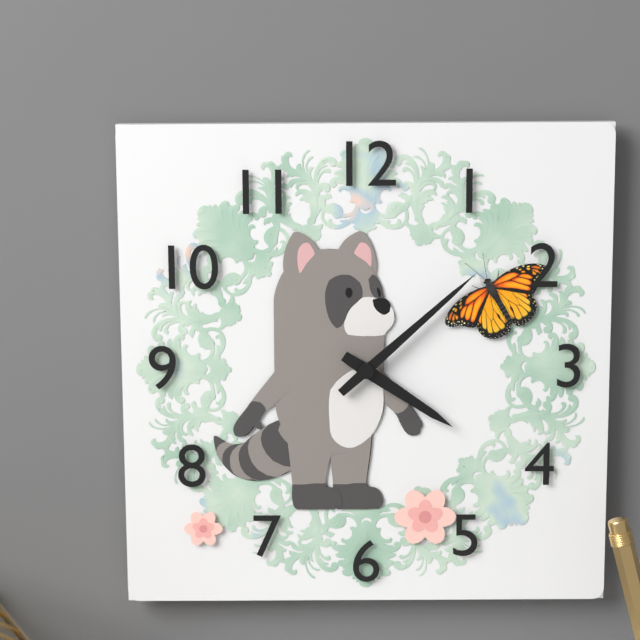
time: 4:08
